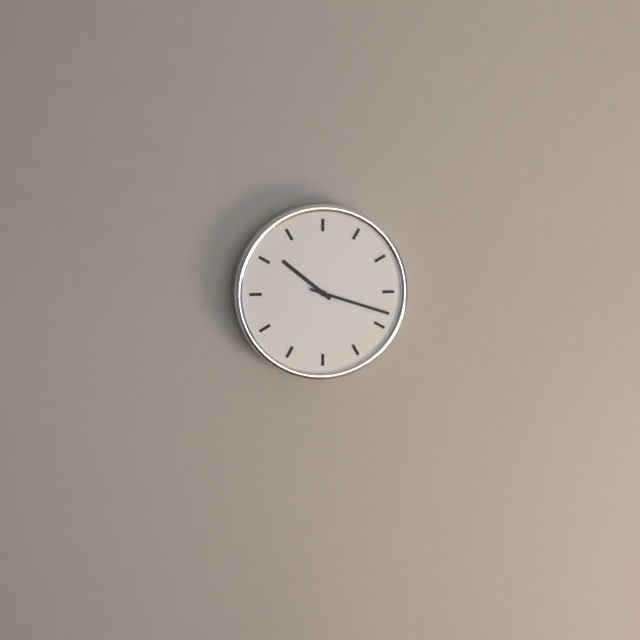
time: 10:18
